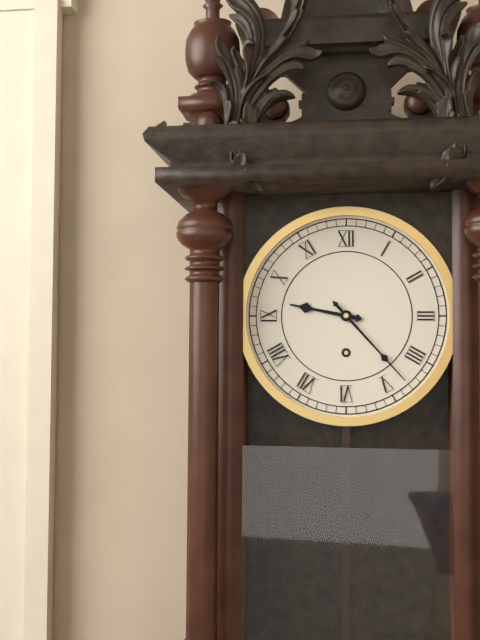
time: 9:23
